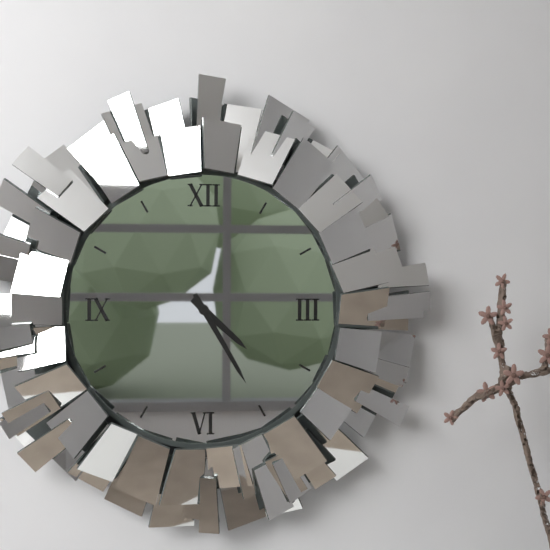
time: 4:25
